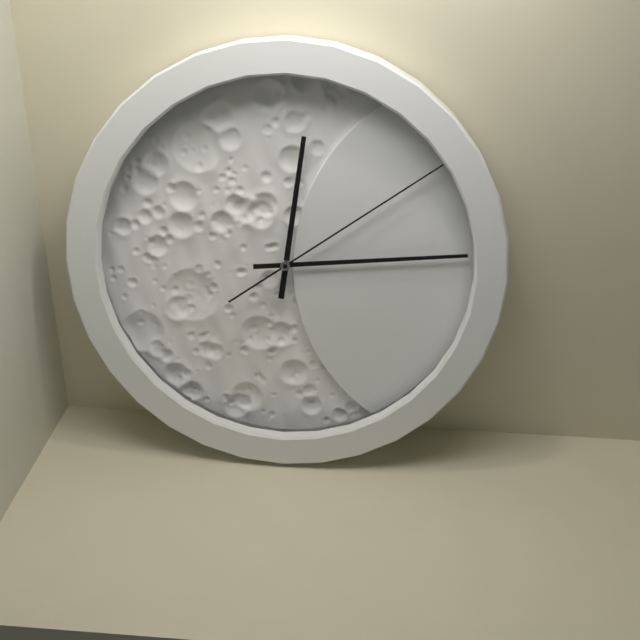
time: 12:14:09
